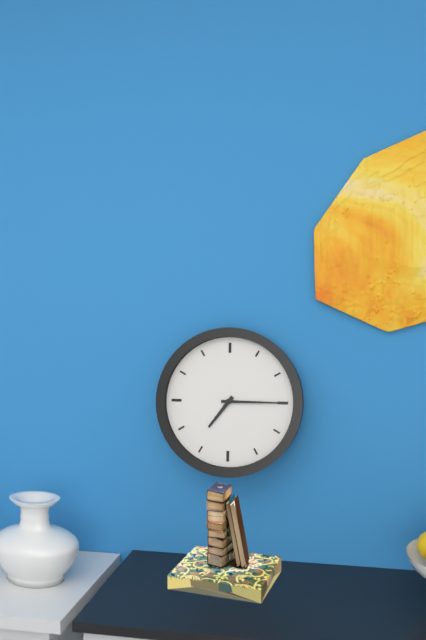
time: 7:15
